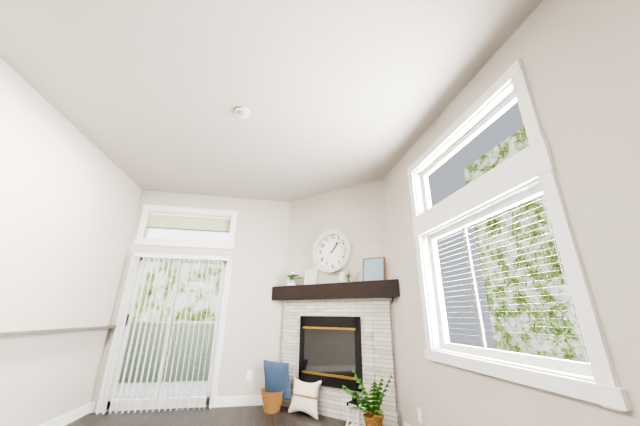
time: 1:08
